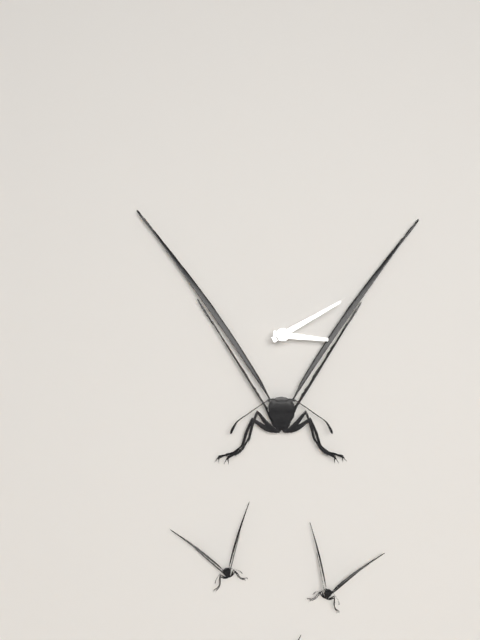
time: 3:10
